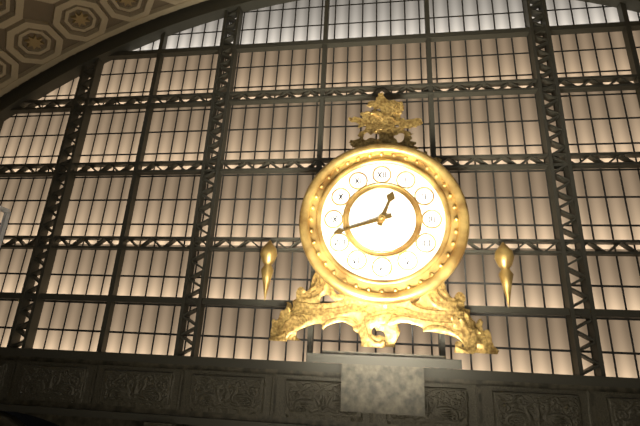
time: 12:42
